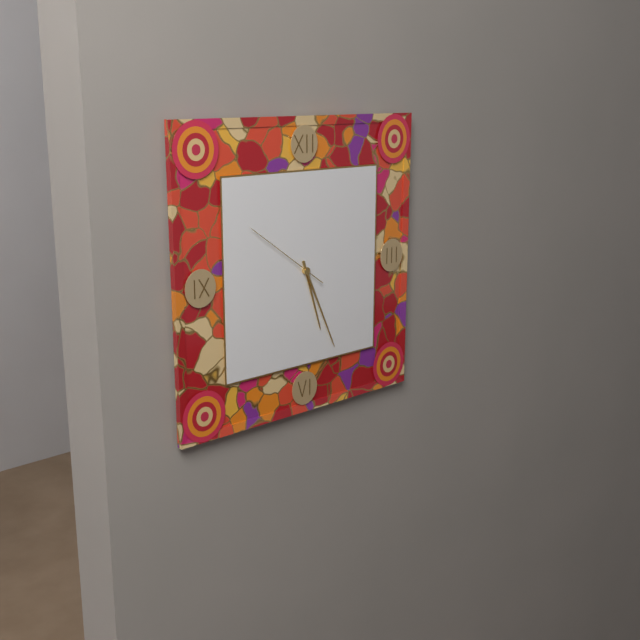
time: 5:26:51
